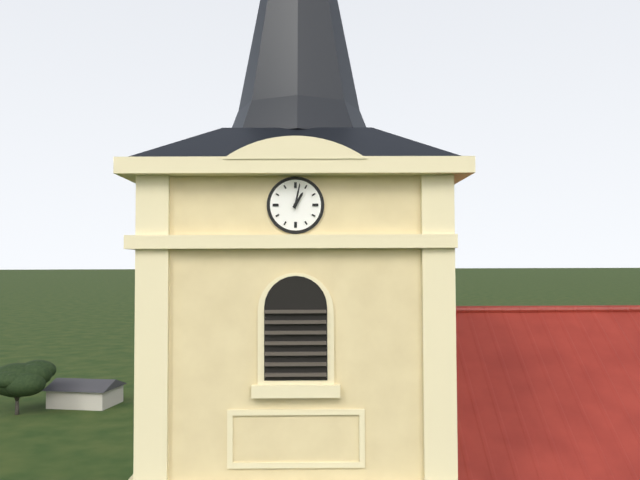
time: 1:02
